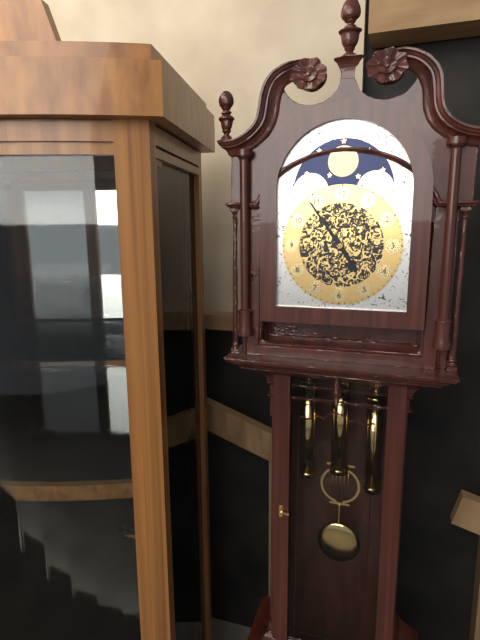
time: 4:54
